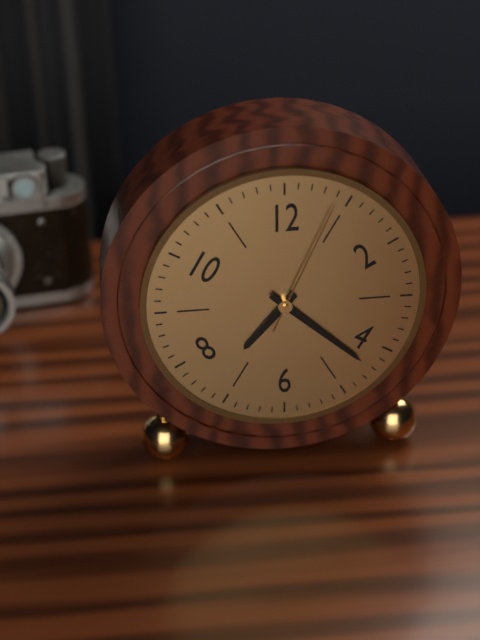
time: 7:22:04
